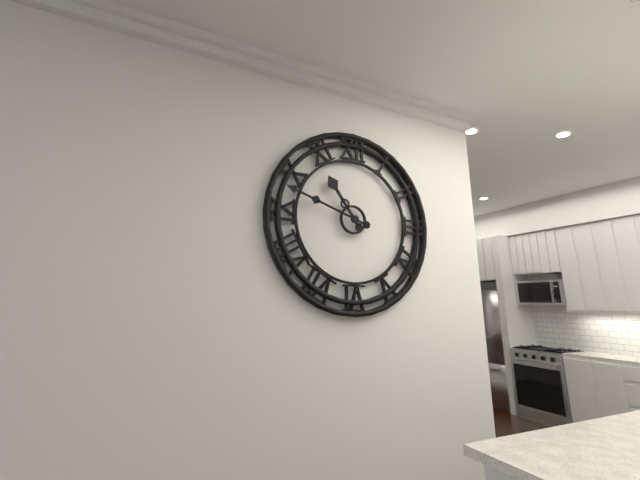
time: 10:48
